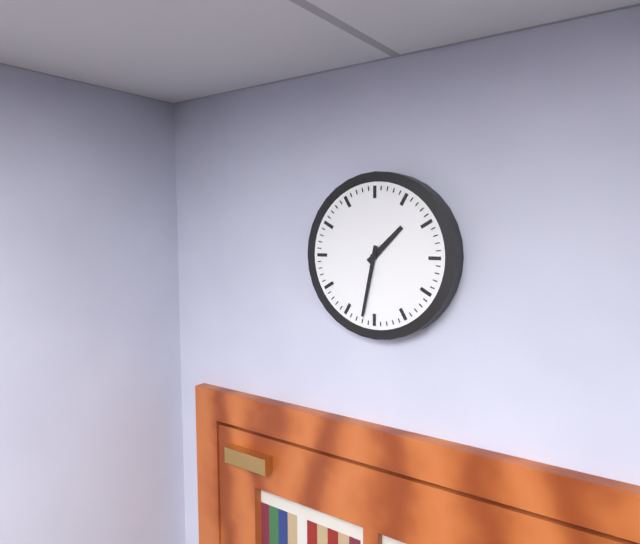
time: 1:32
